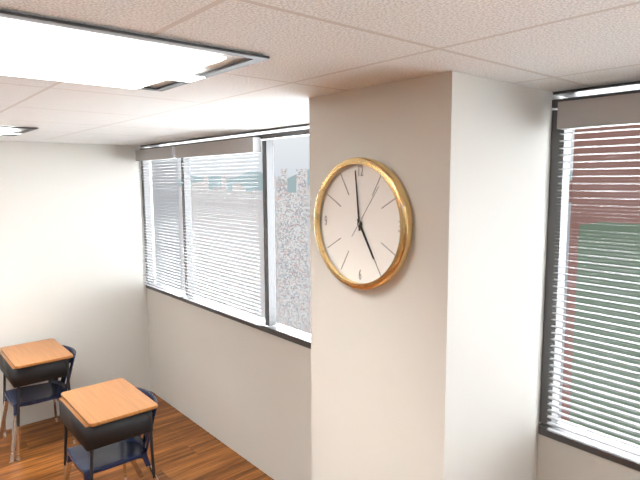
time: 4:59:06
